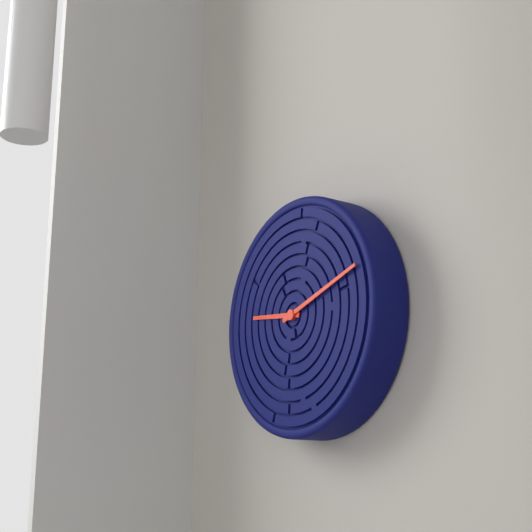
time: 9:12
